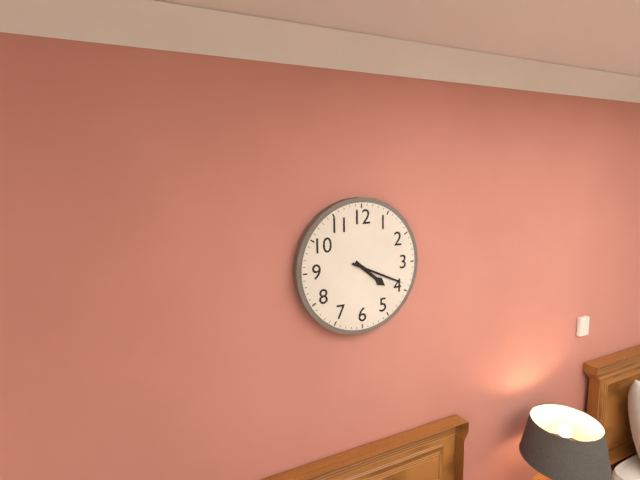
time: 4:19
